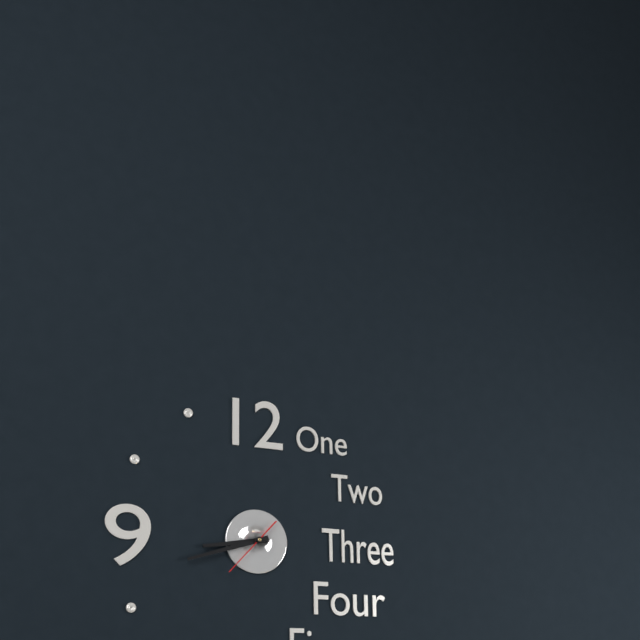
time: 8:42:37
